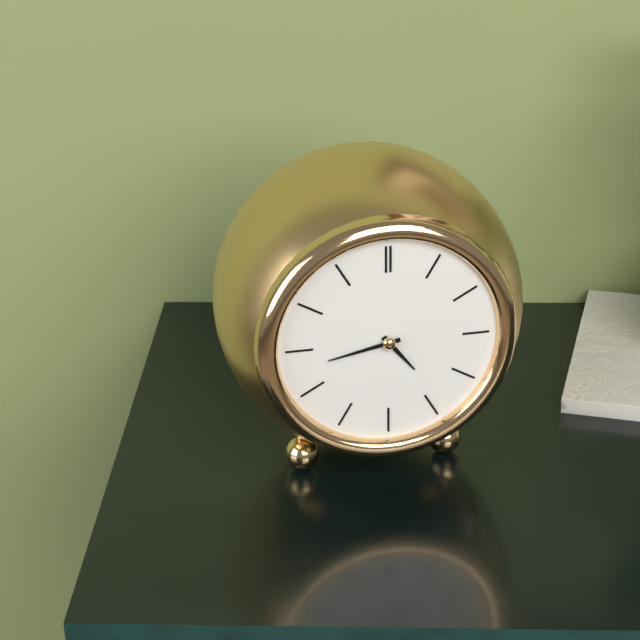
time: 4:43
